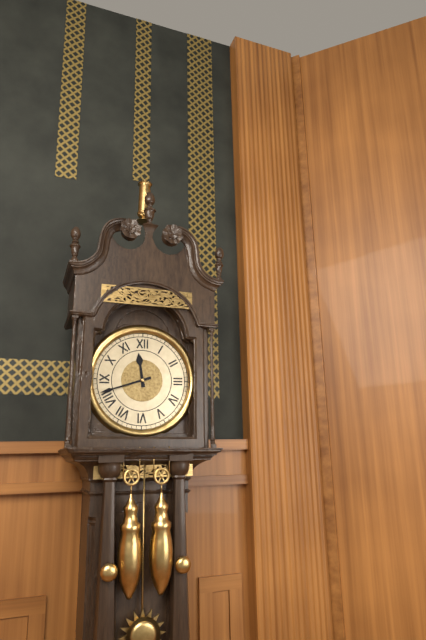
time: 11:42
